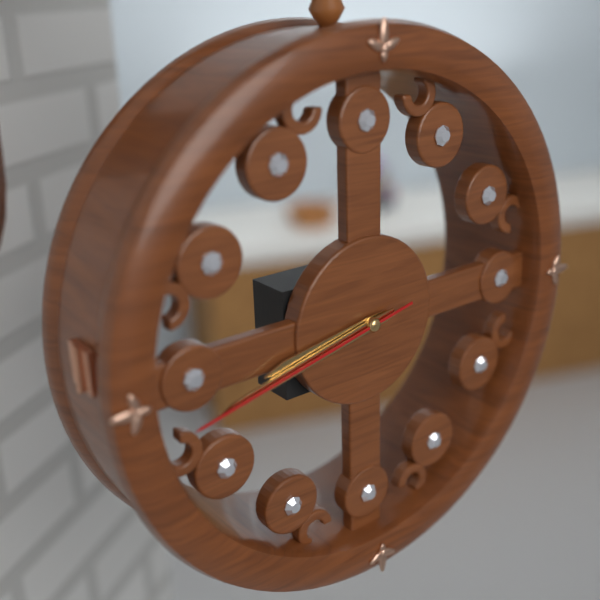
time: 8:43:43
